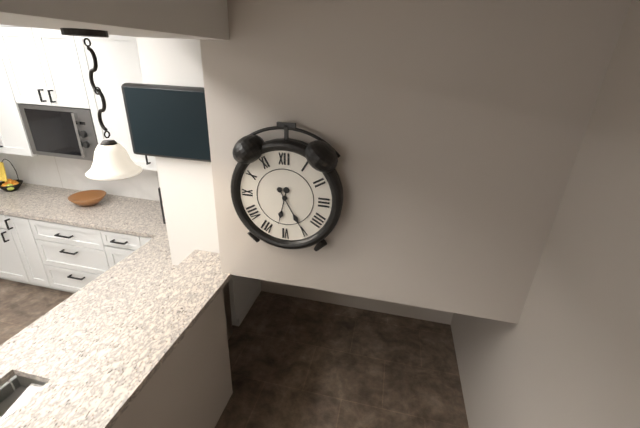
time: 6:25
